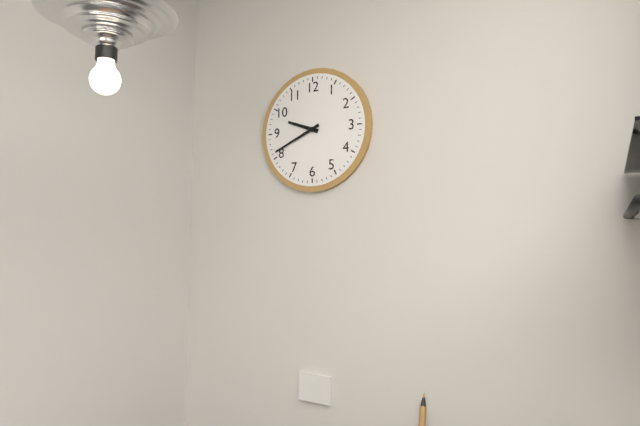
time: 9:41
